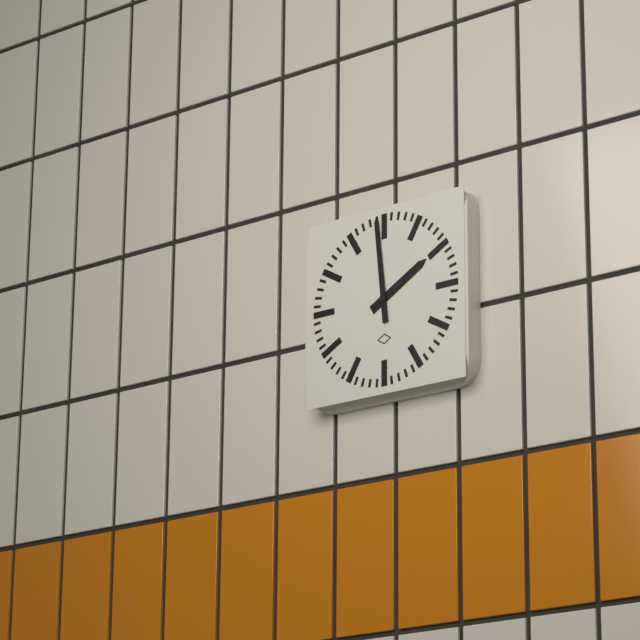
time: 1:59
